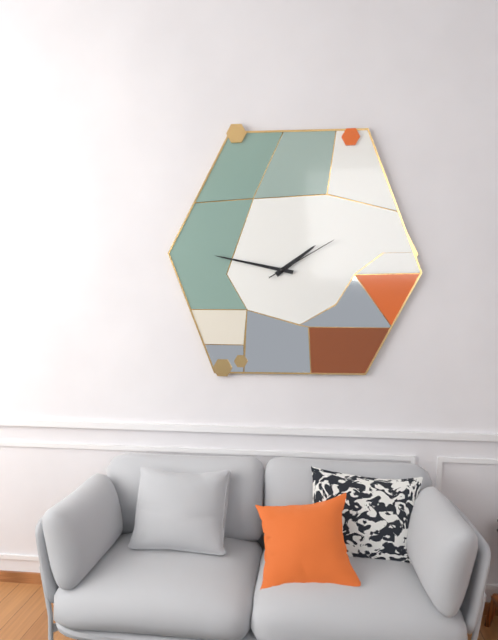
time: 1:47:10
